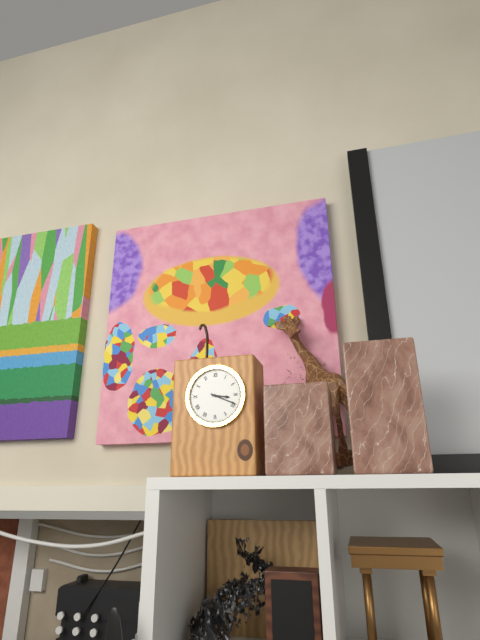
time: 3:19
